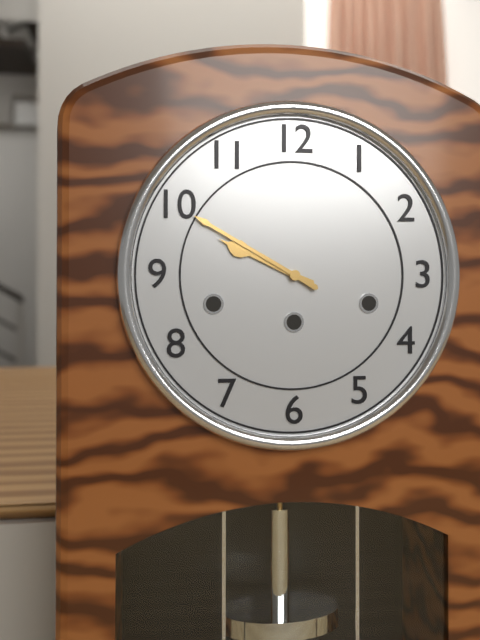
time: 9:50
